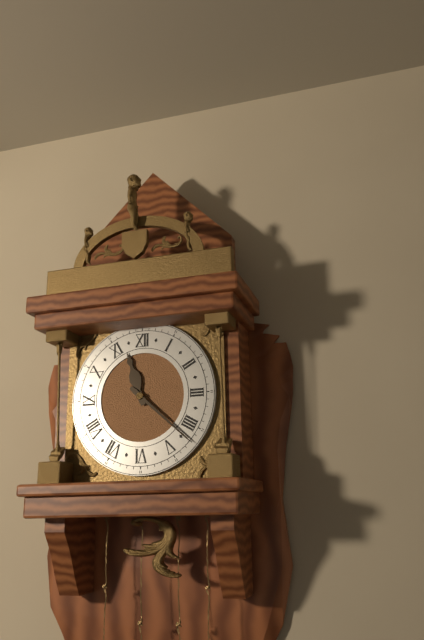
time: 11:22
